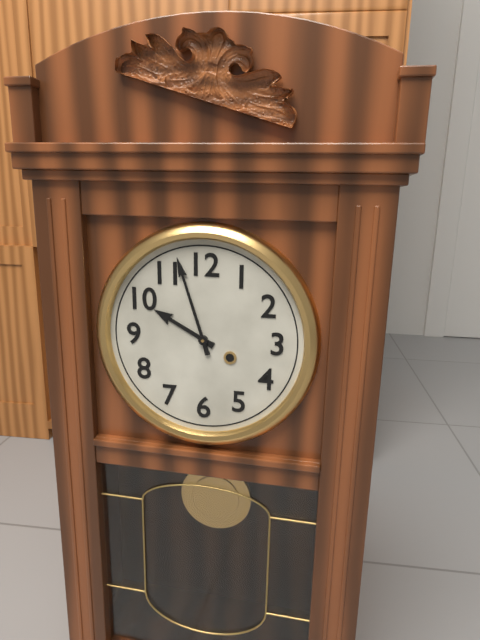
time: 9:57
